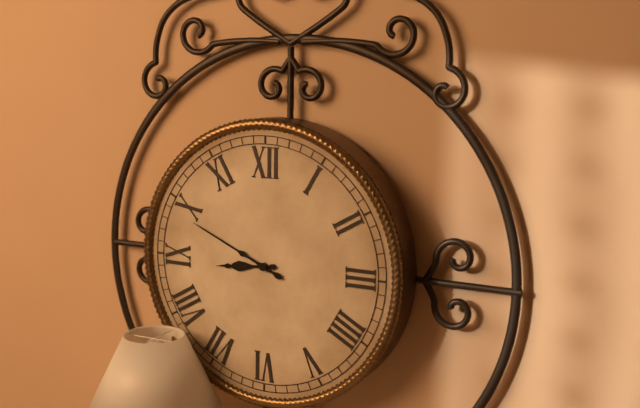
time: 8:49
